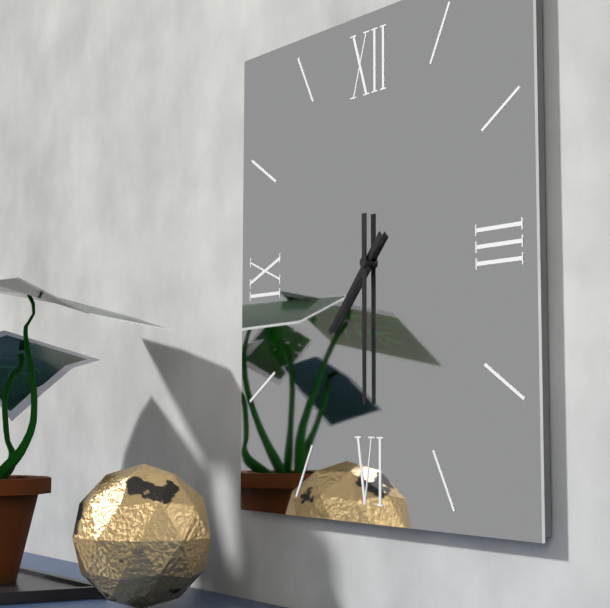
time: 7:30
